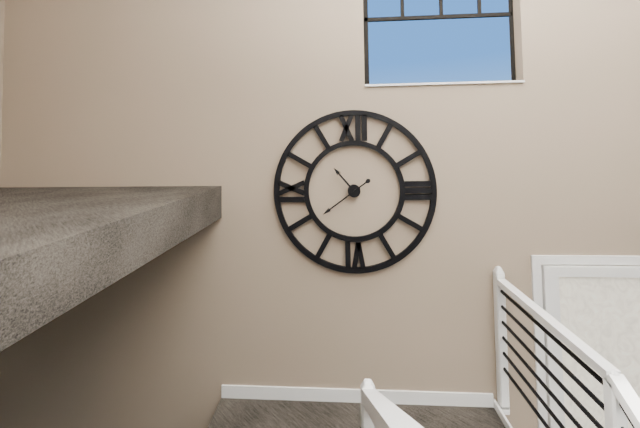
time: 10:39
